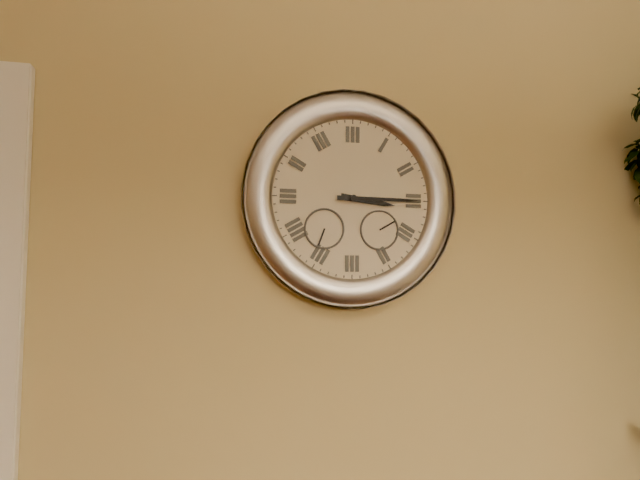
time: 3:15
